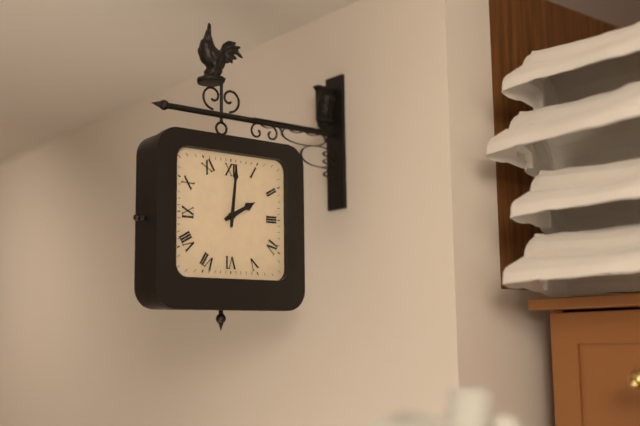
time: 2:01
